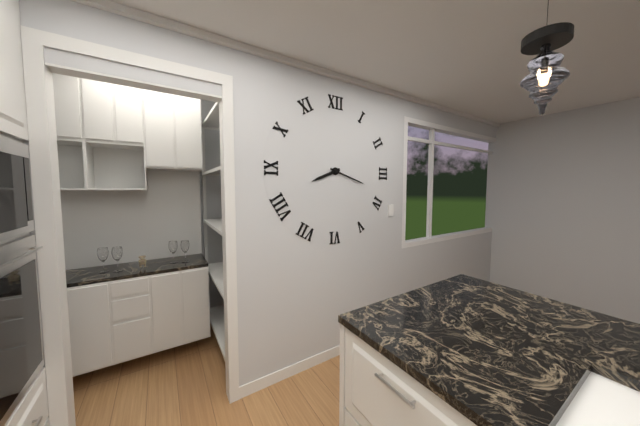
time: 8:18
